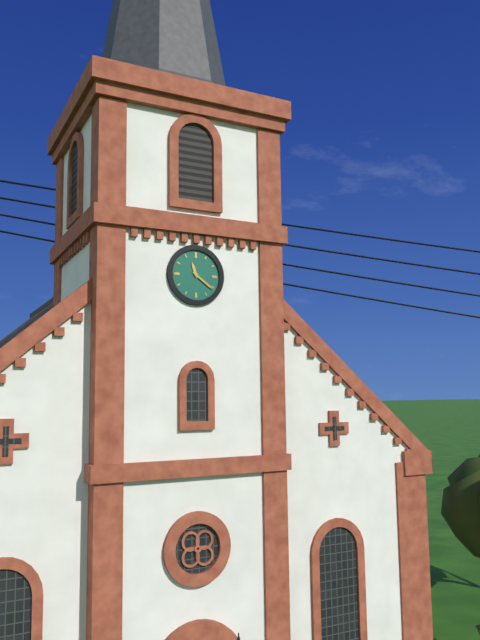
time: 11:21
